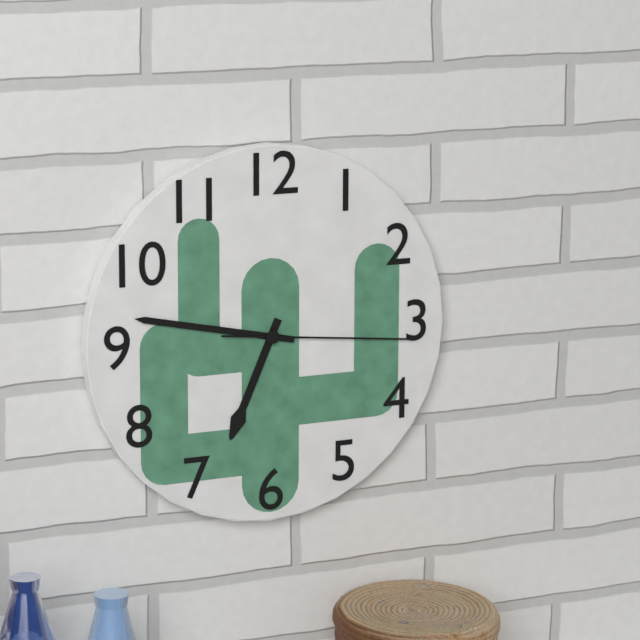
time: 6:47:16
